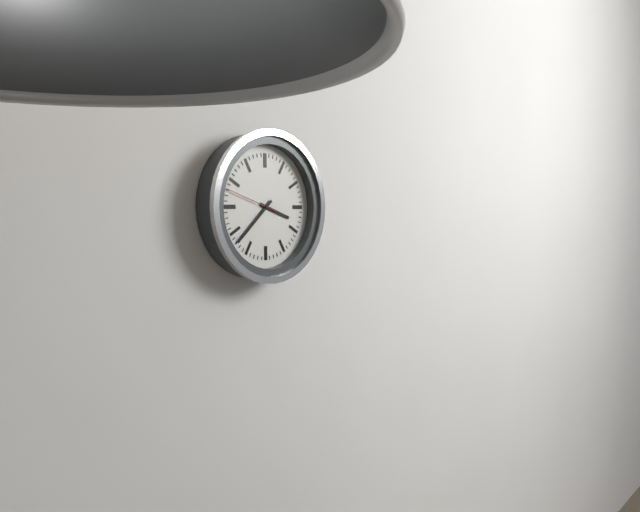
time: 3:38:48
